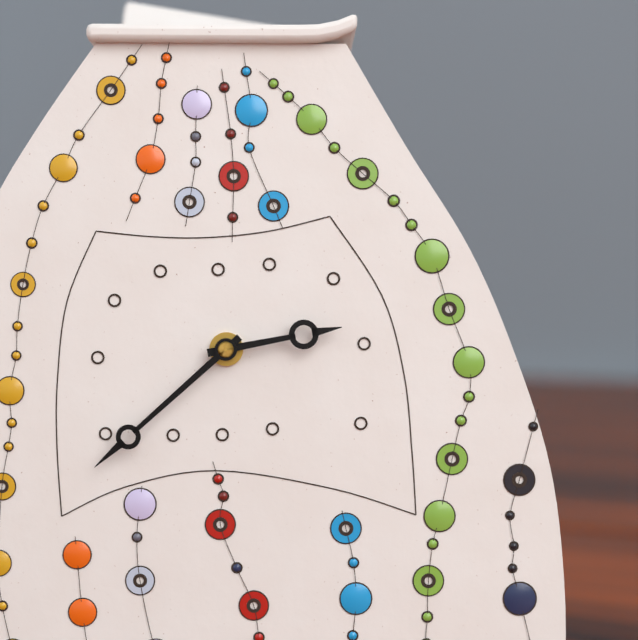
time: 2:38
